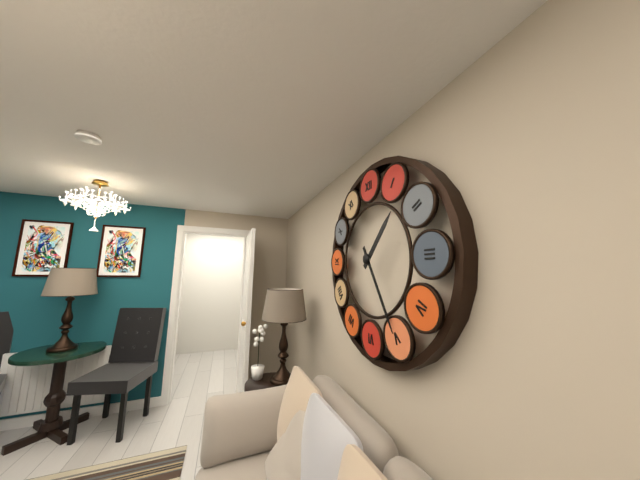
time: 1:25
